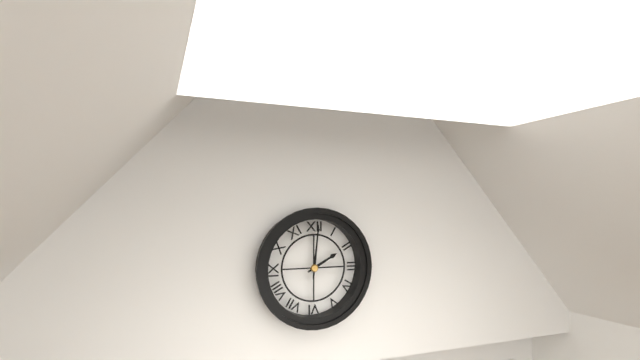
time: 2:01
